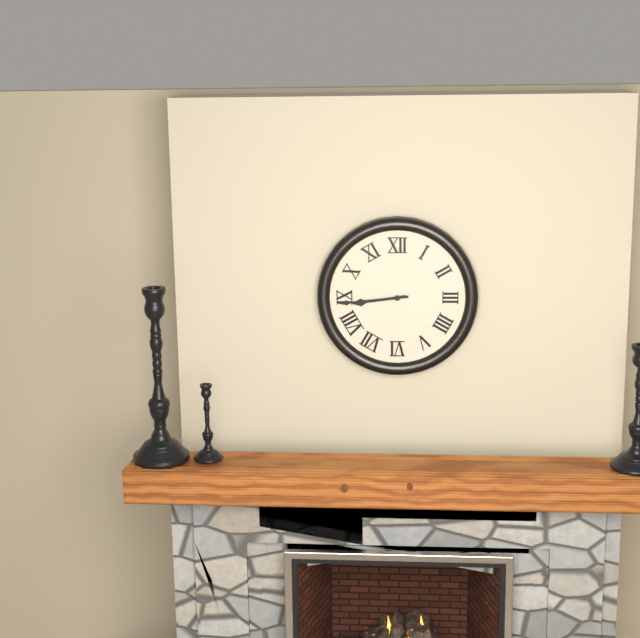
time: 8:44
